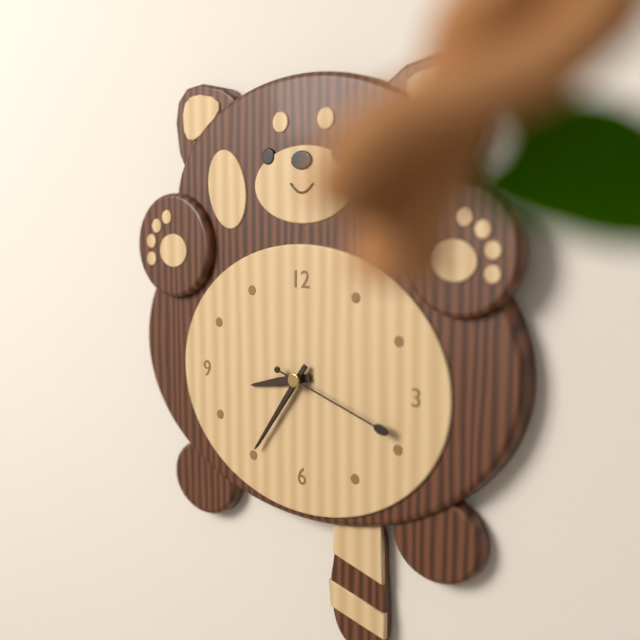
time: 8:36:18
